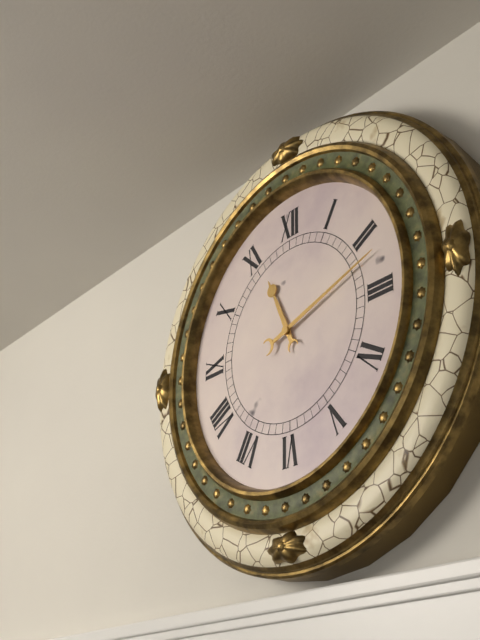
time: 11:12
